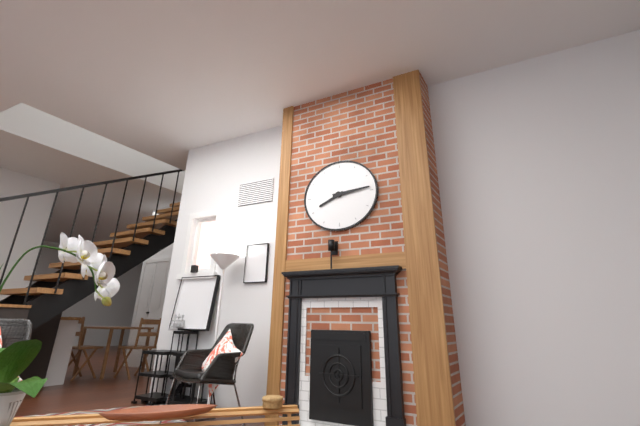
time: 8:14
